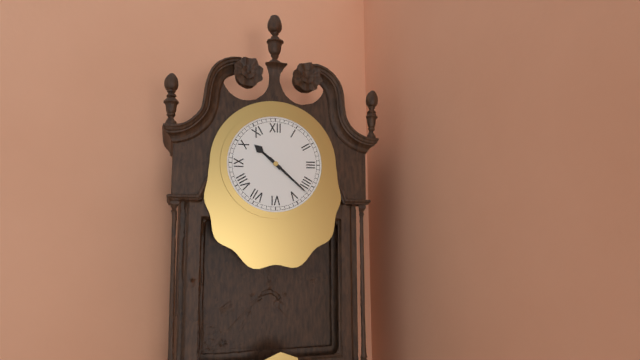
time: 10:22
